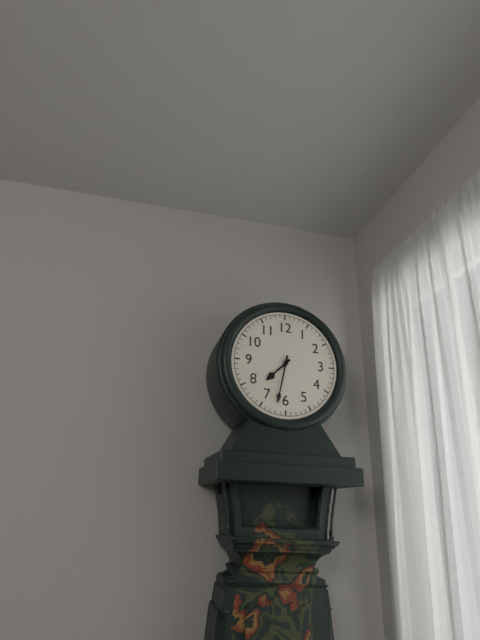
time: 7:32
